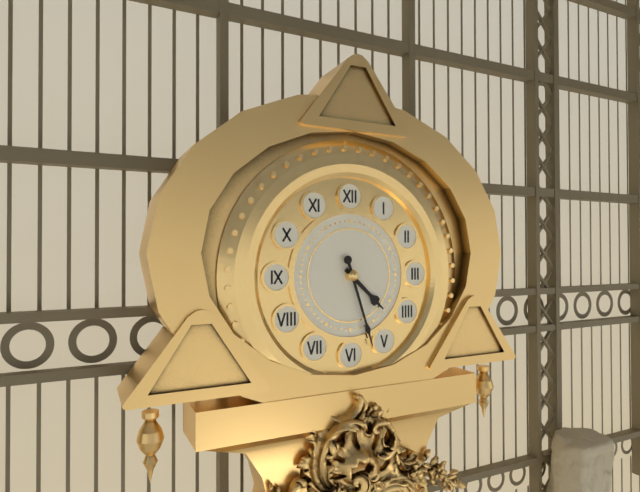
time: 4:27
